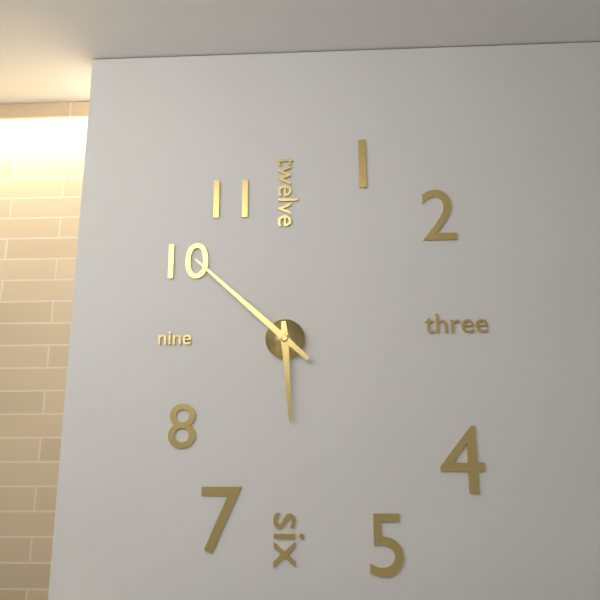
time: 5:52
